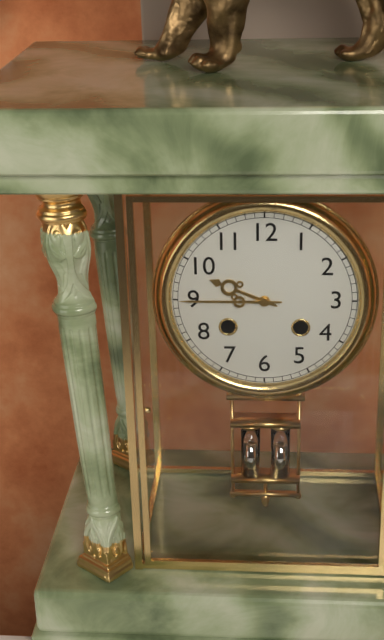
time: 9:45
